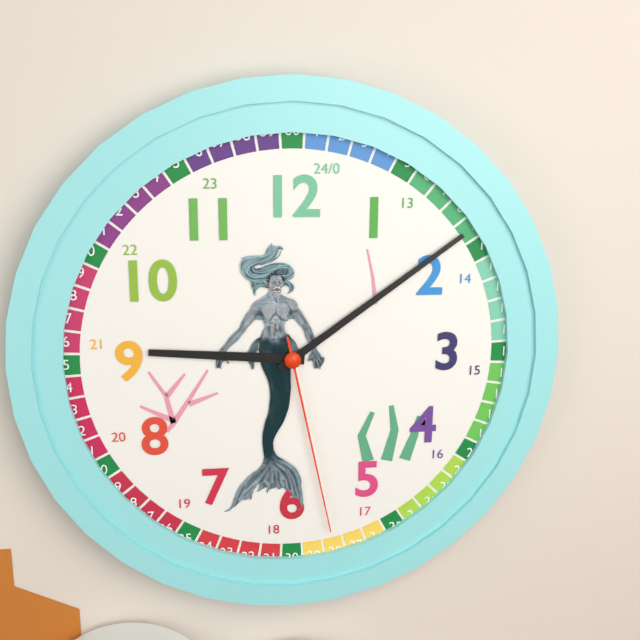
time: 9:09:28
